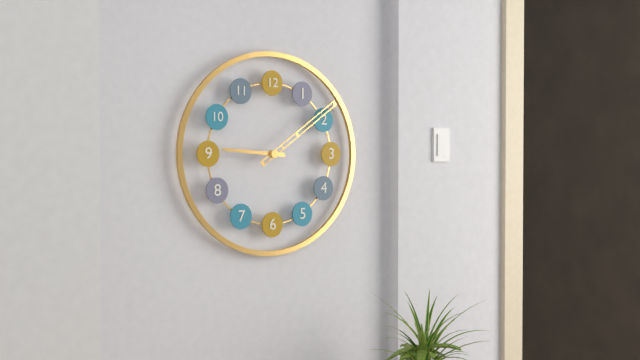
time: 9:09
